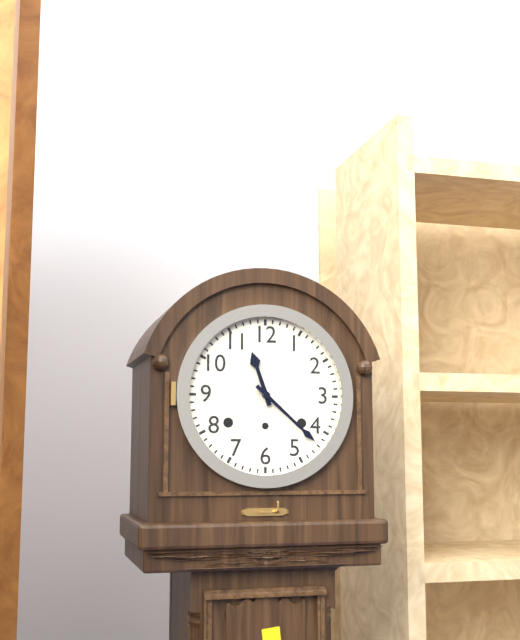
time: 11:22
